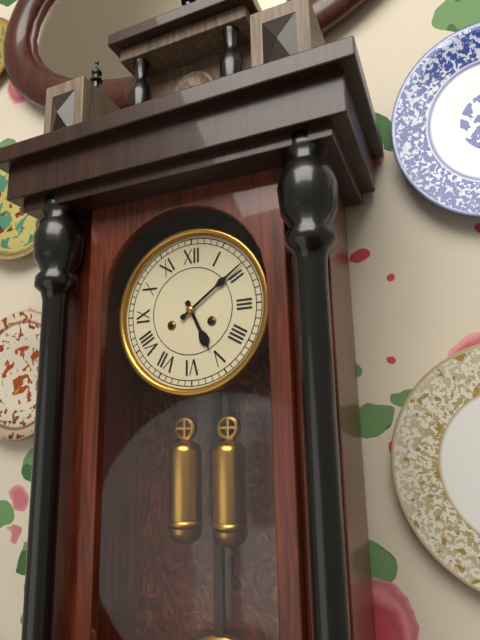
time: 5:09
